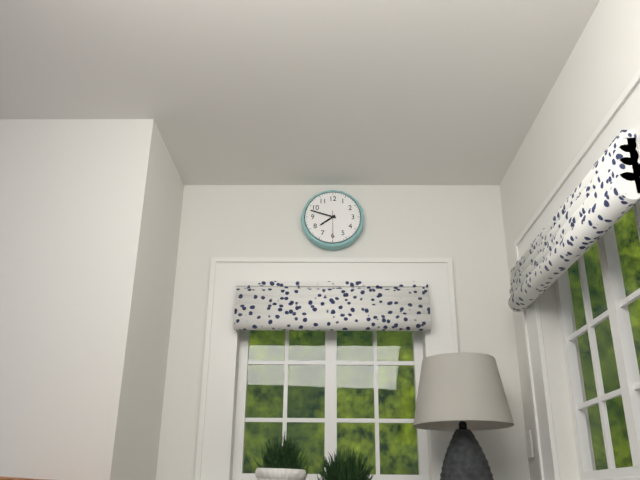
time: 7:48
